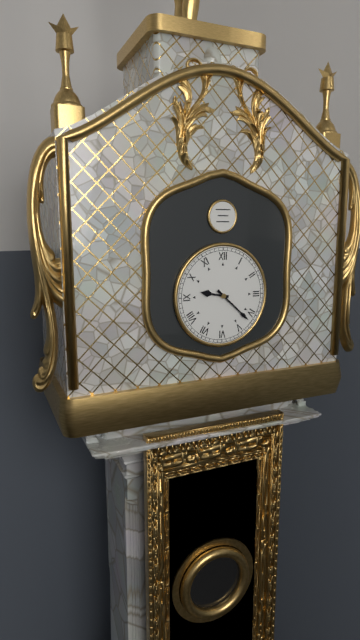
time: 9:22
